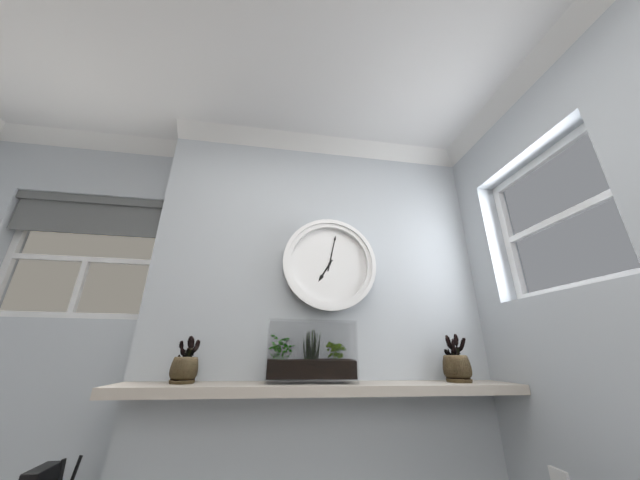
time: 7:02
